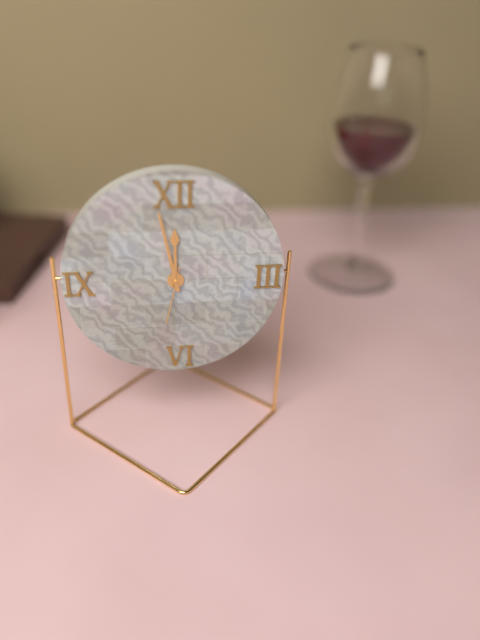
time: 11:58:32
